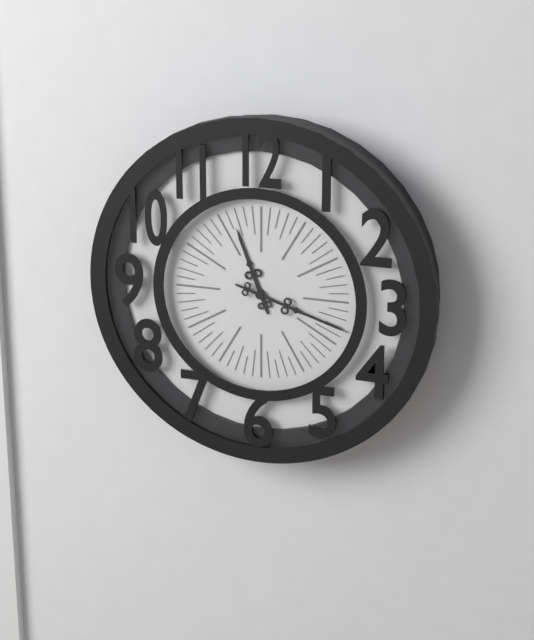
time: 11:18
